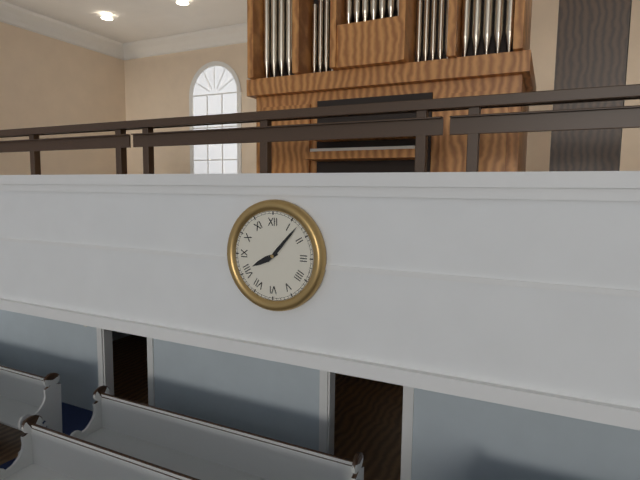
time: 8:07
